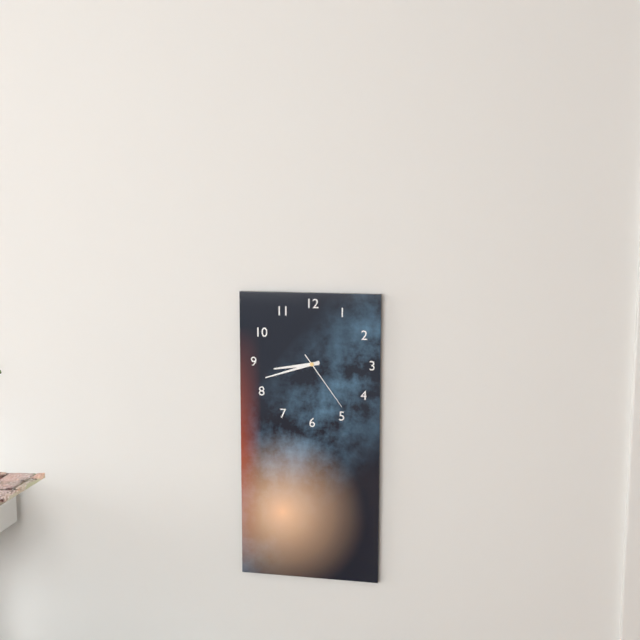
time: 8:42:24
